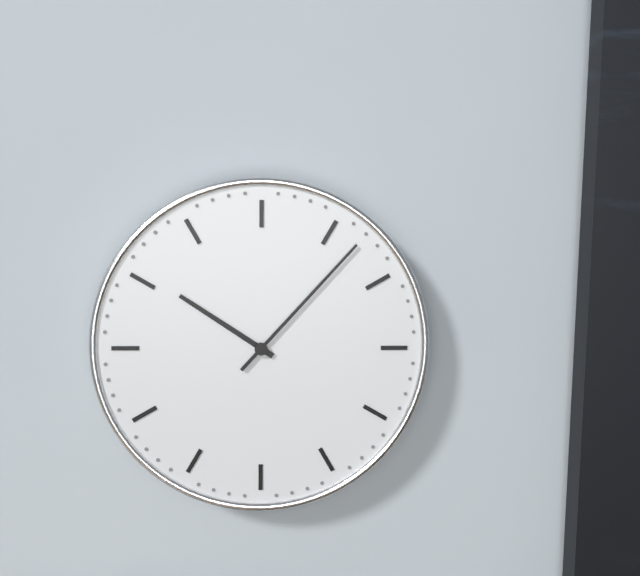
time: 10:07
